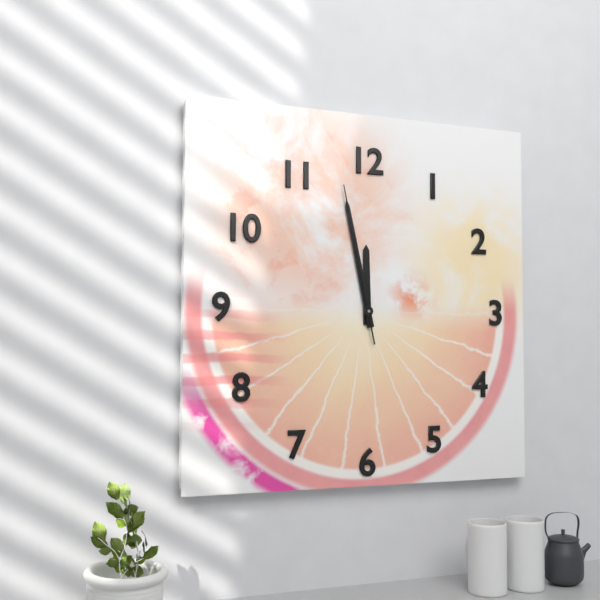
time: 11:58:58
